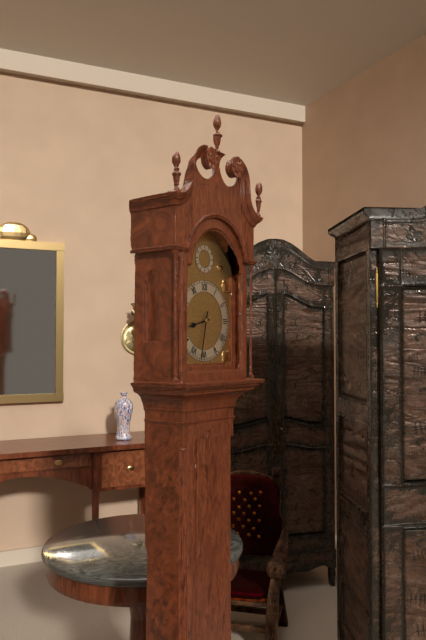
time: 8:32
